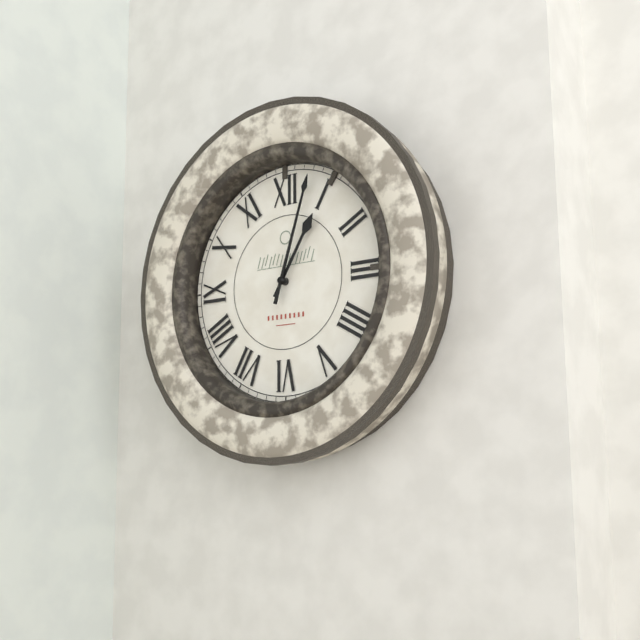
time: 1:03
